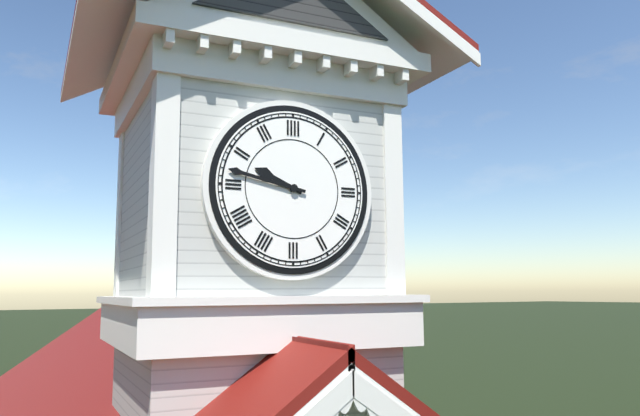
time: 9:47
